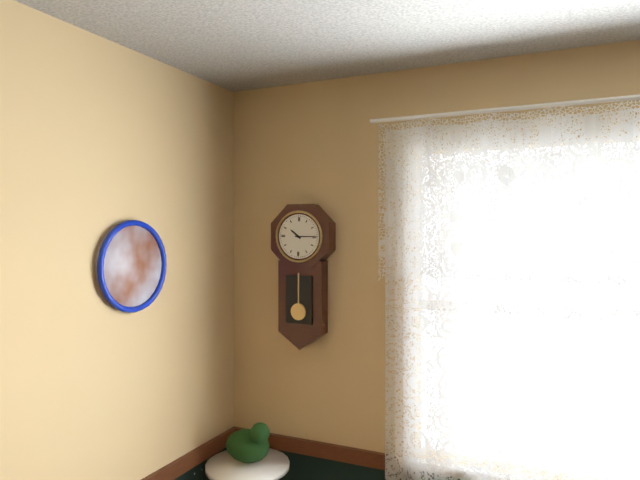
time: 10:15
